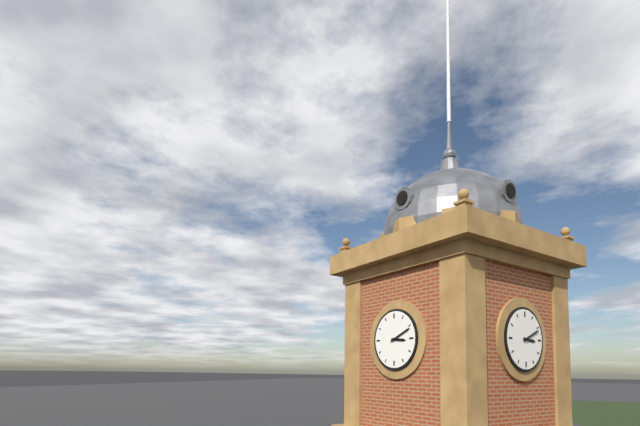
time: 3:11
